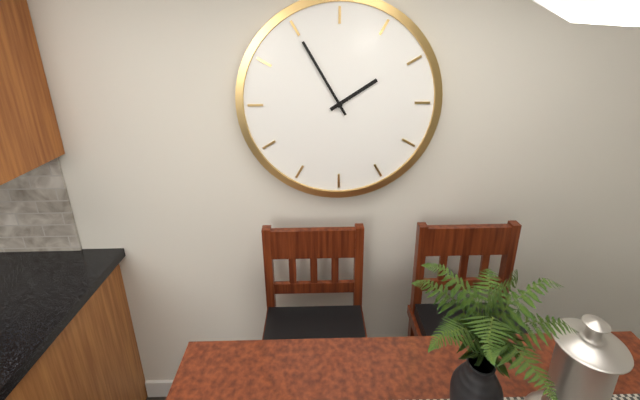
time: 1:55
